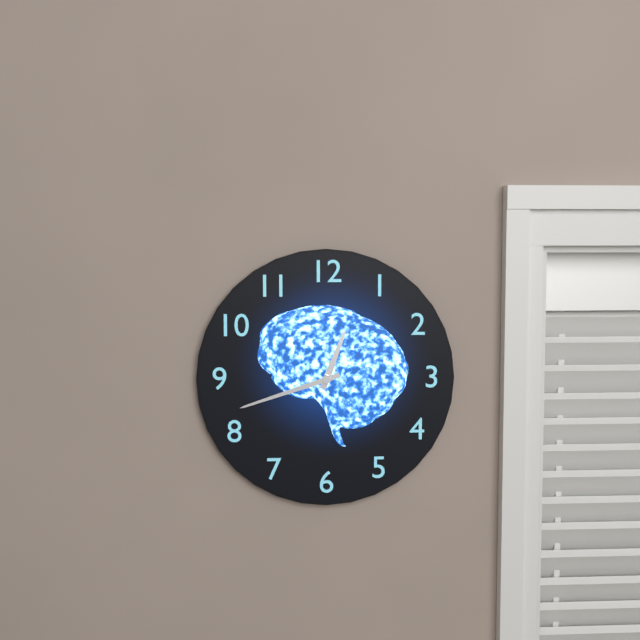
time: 12:42
